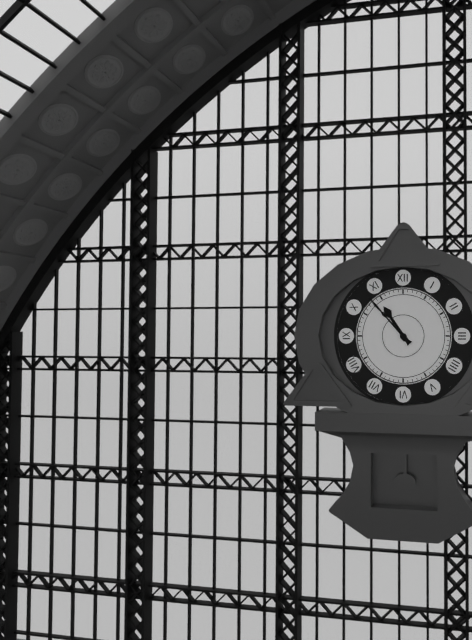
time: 10:53
